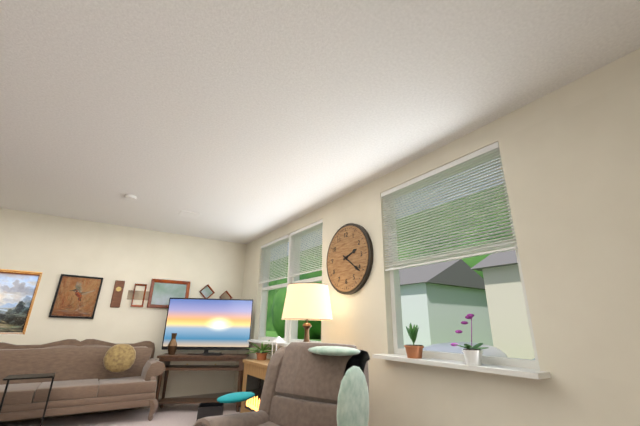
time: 2:21
